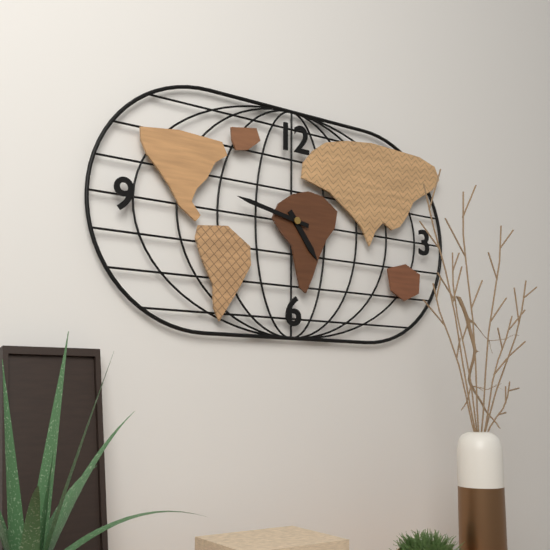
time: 4:47
